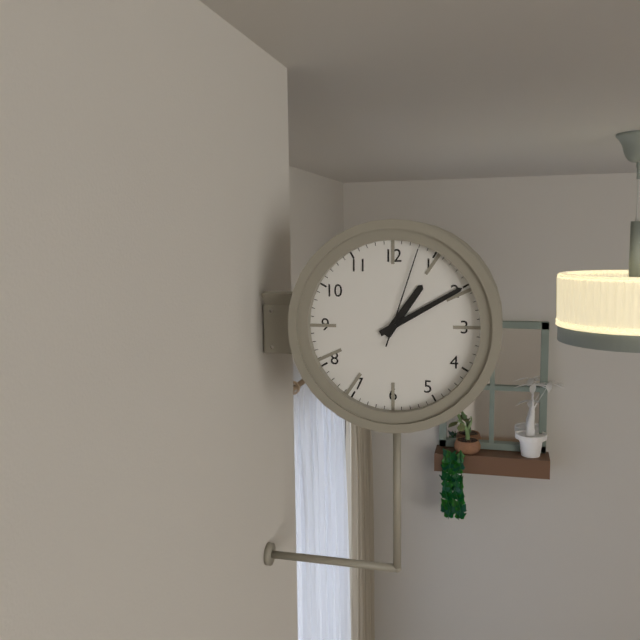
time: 1:10:03
